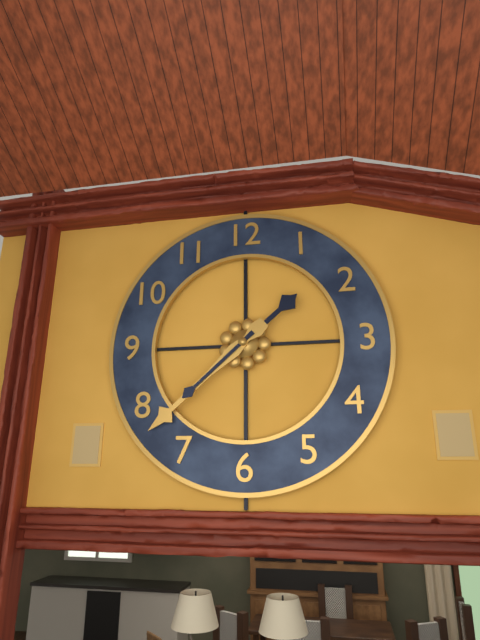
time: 1:38:38
